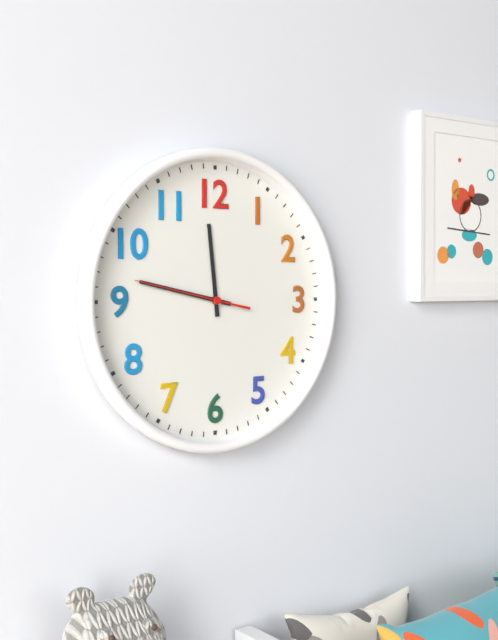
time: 11:47:47
